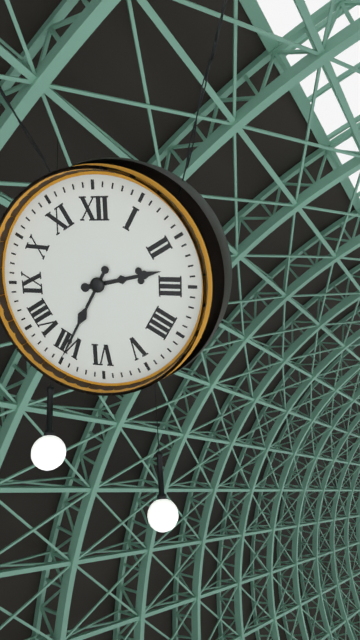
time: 2:35
